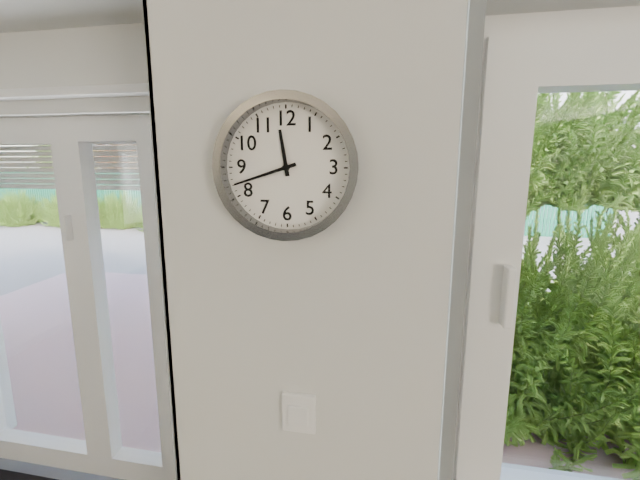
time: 11:42
